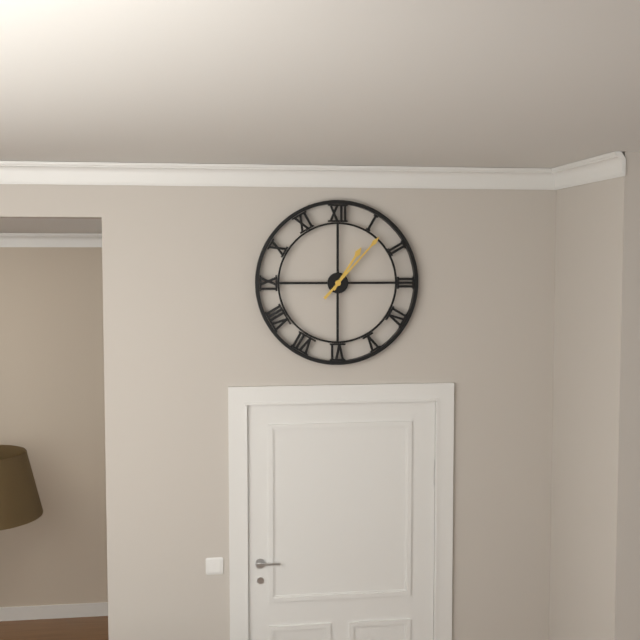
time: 1:07
